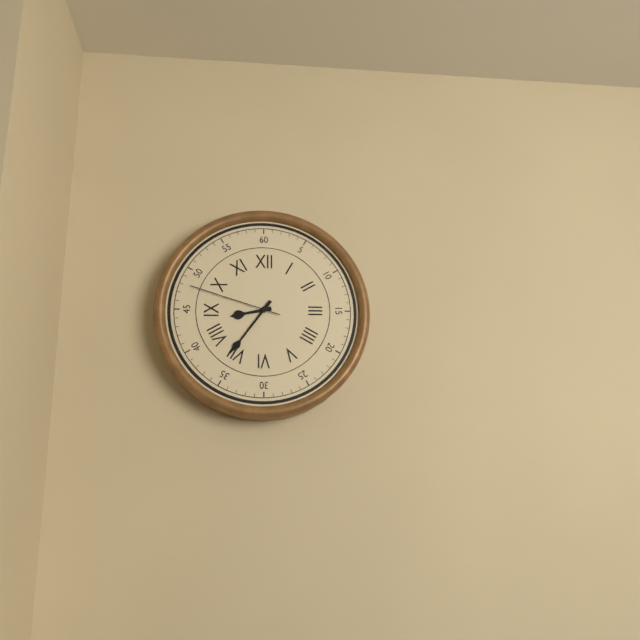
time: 8:36:48
